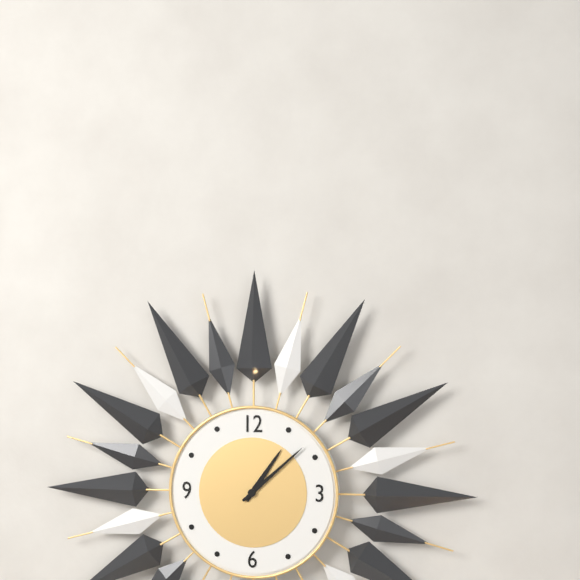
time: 1:08
